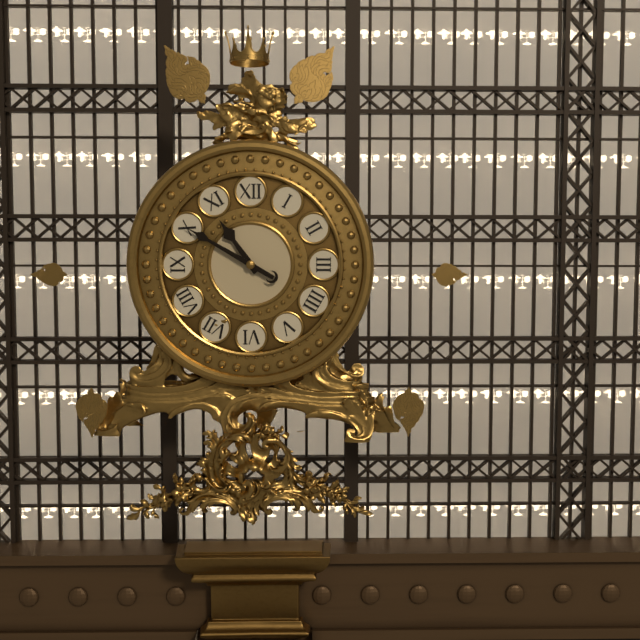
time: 10:50
